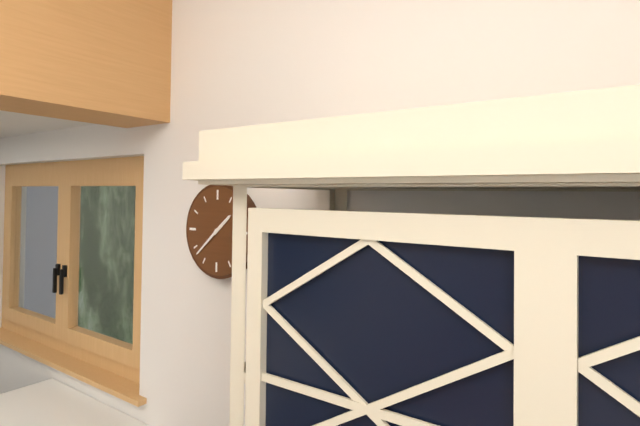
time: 1:38
